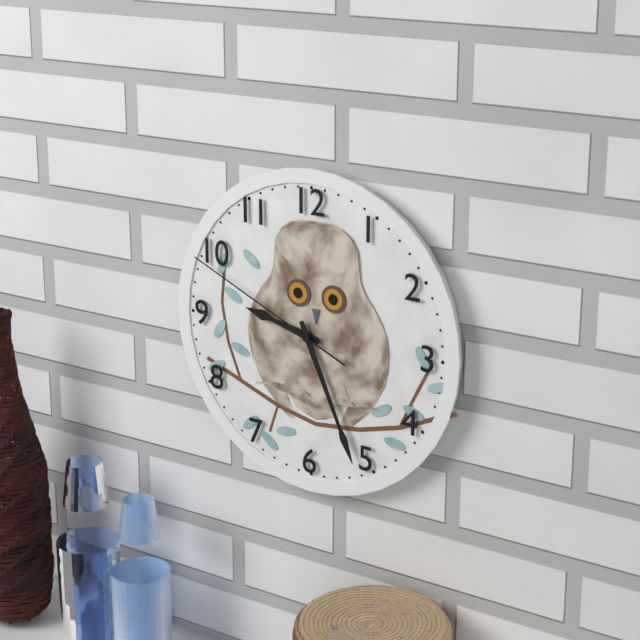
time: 9:26:49
